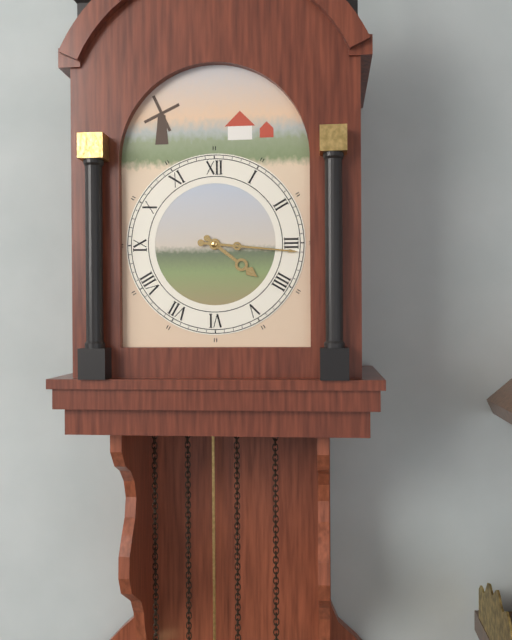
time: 4:16
